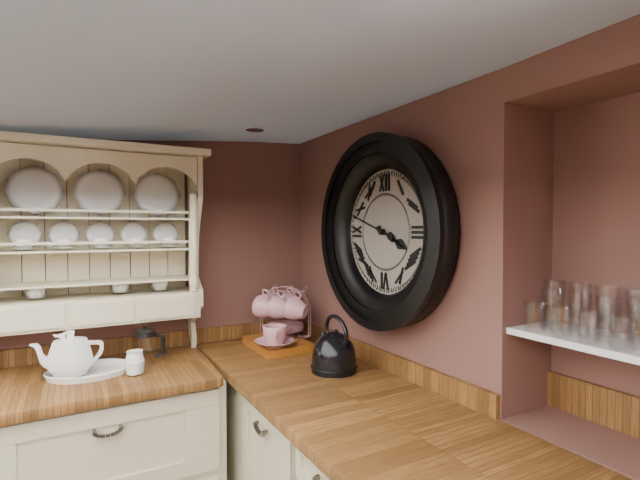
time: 3:48
